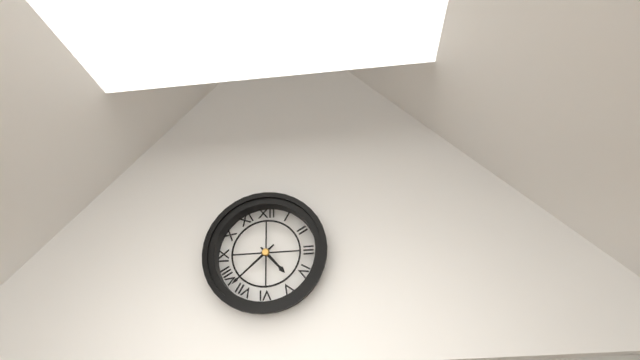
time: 4:38
